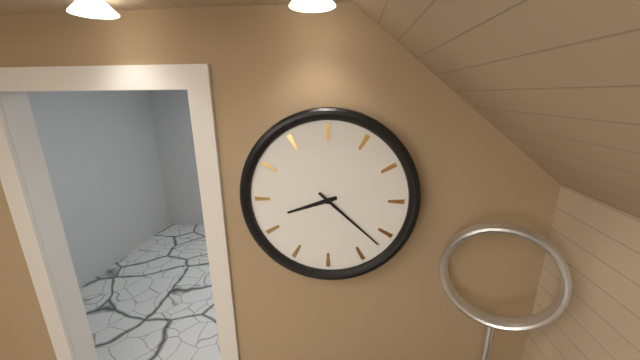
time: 8:22
